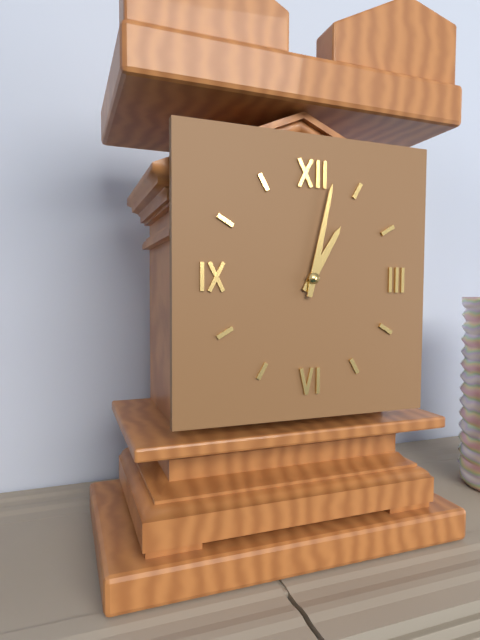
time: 1:02
